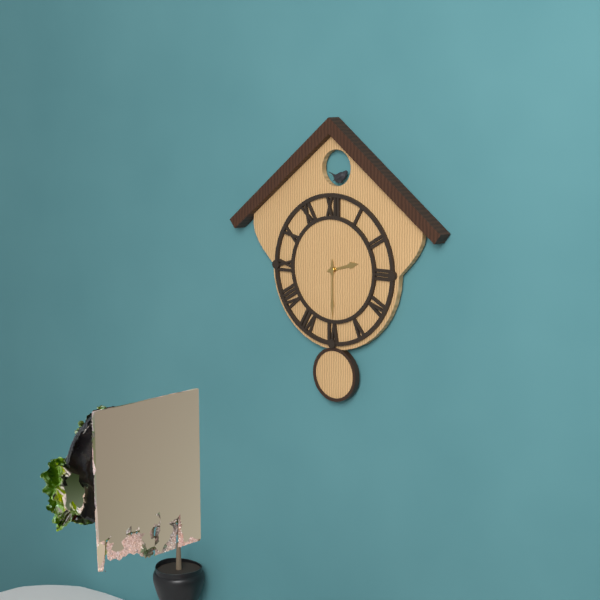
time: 2:30
